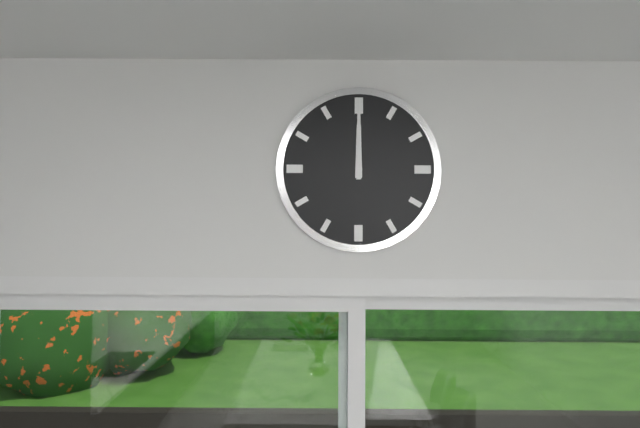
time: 12:00
